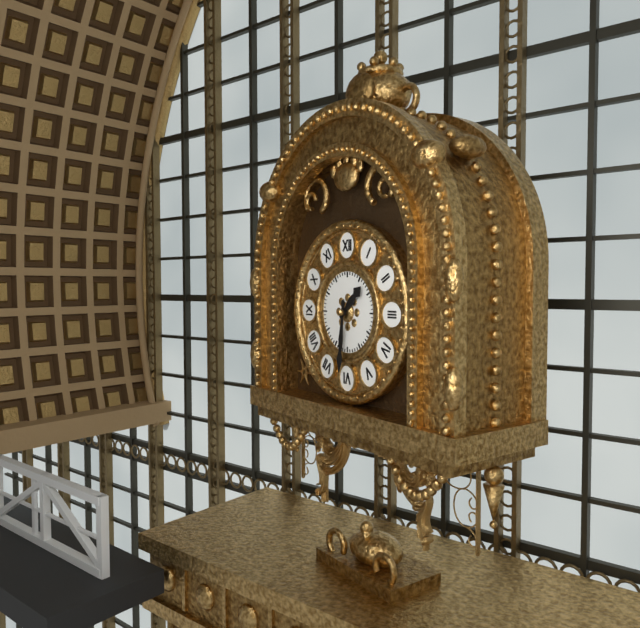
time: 1:31
